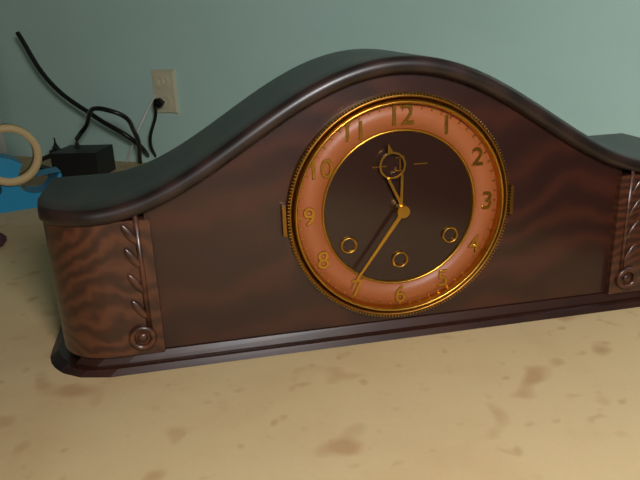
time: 11:36
